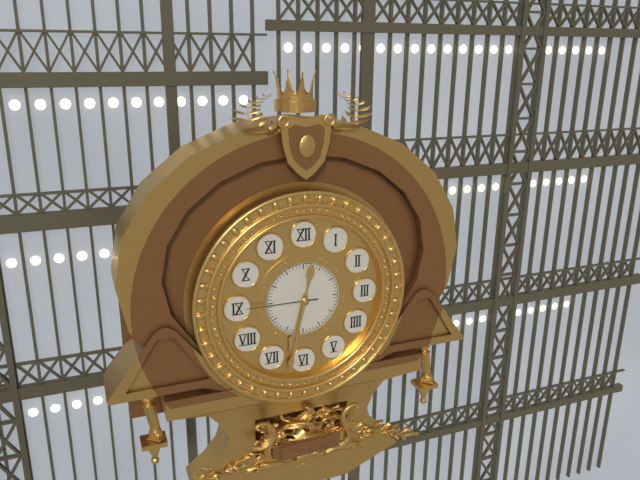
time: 6:32:45
